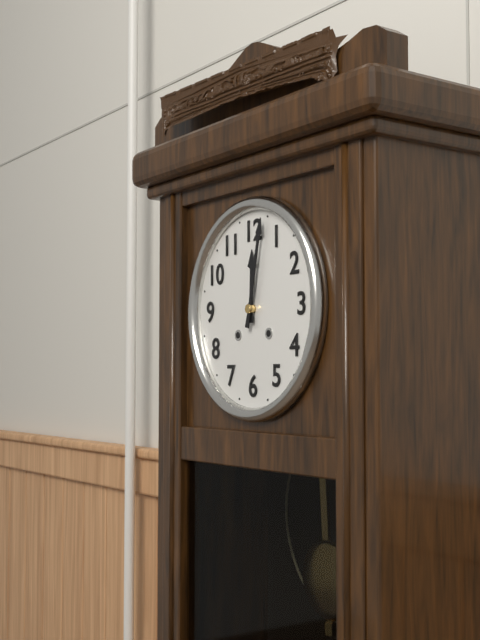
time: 12:02
